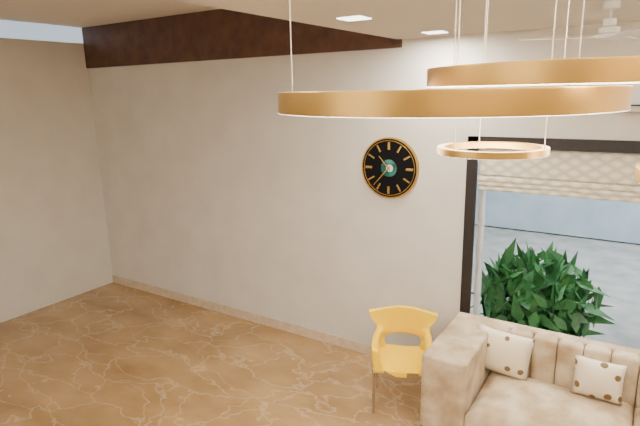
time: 10:37
